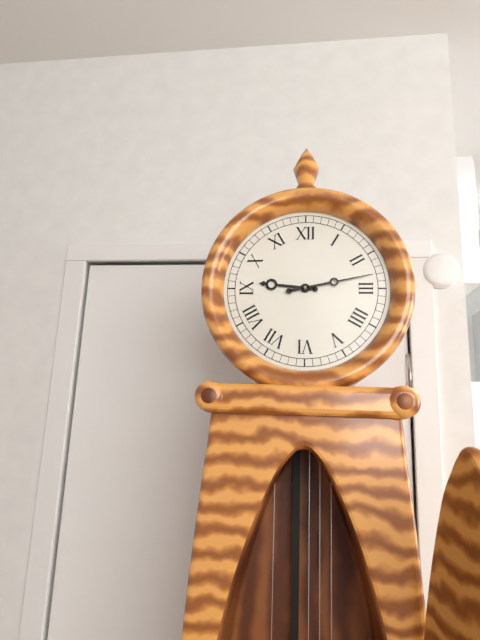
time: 9:13
